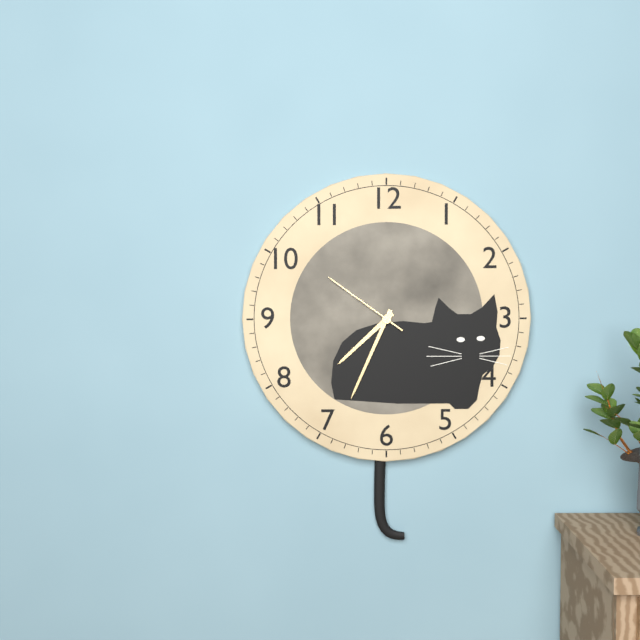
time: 7:34:51
